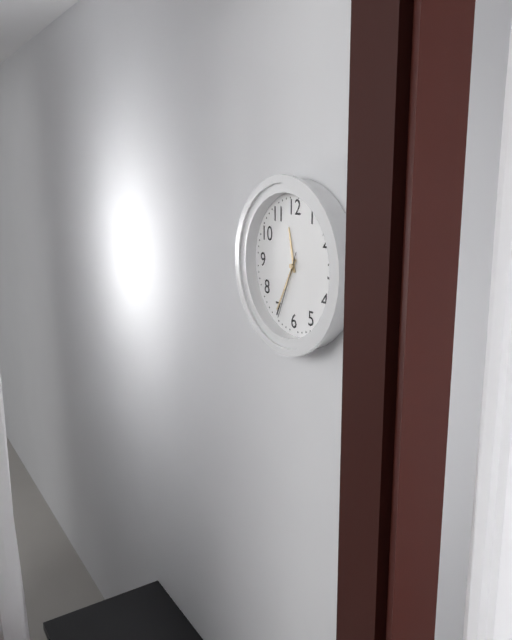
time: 11:35:34
